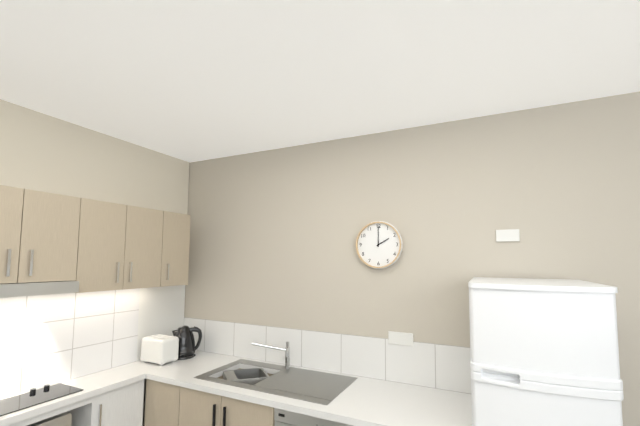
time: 2:00
